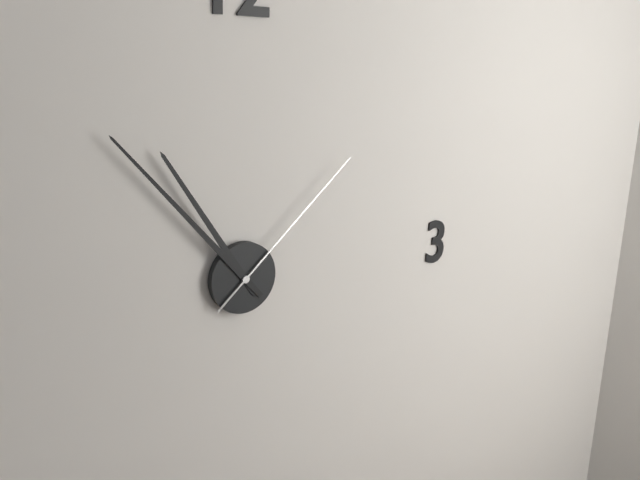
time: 10:53:08
